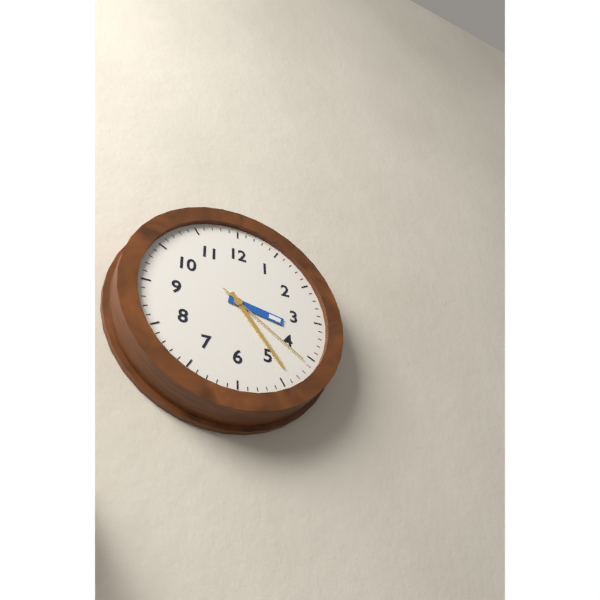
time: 3:24:21
